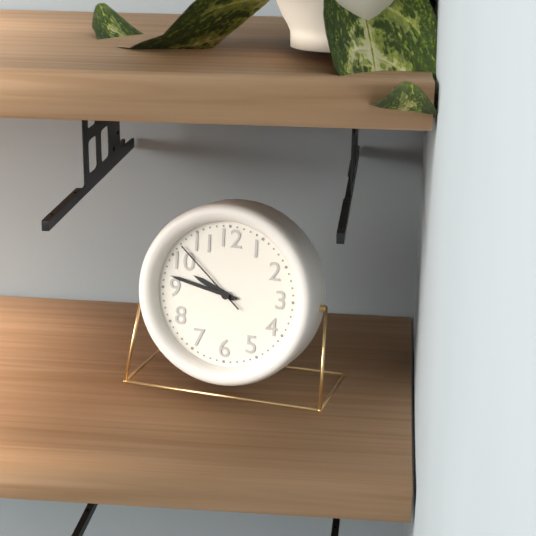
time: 9:47:52
